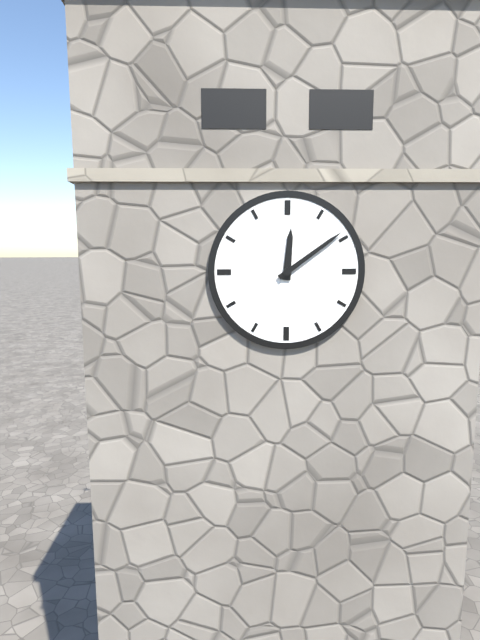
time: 12:09
